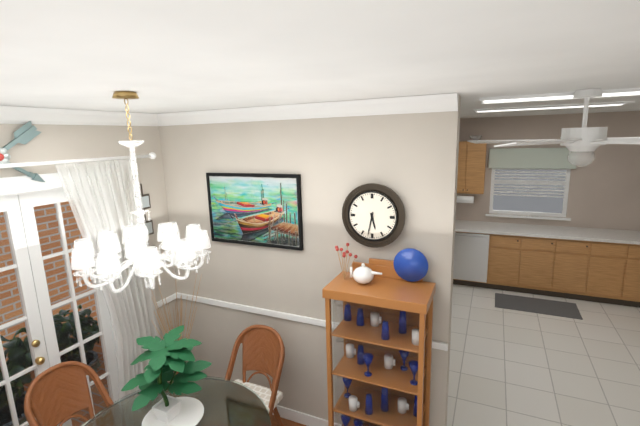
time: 5:32
